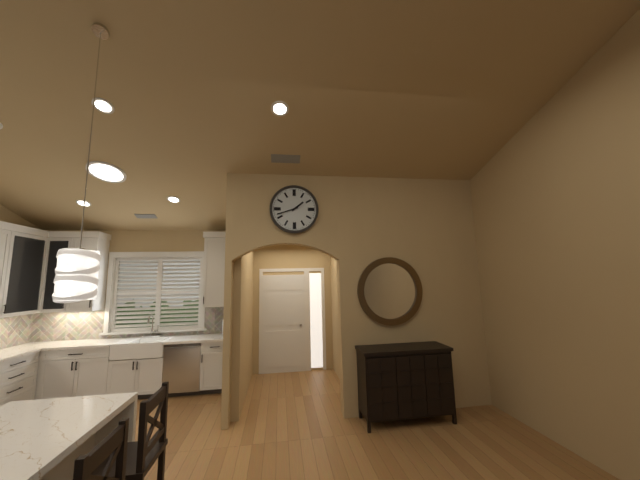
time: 1:42
